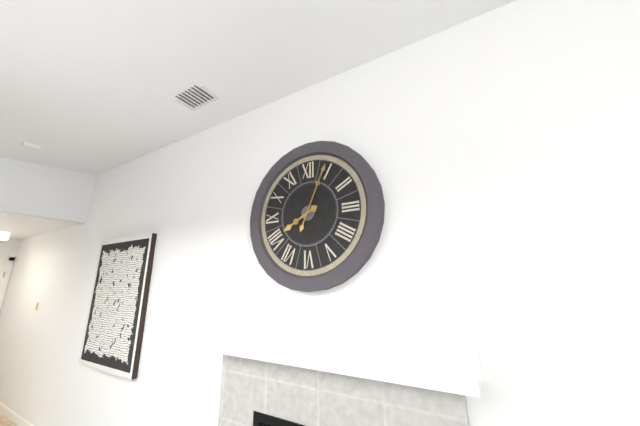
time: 8:04
